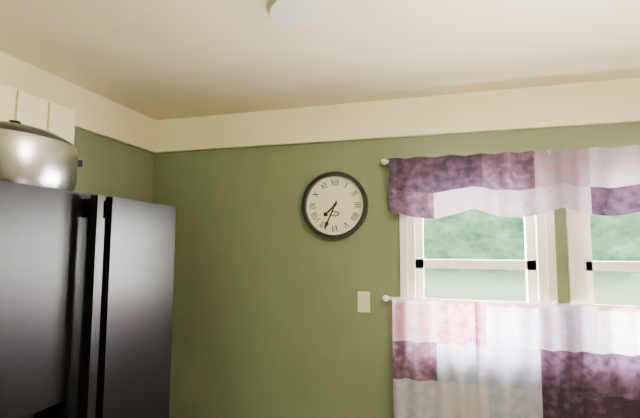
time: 7:34
